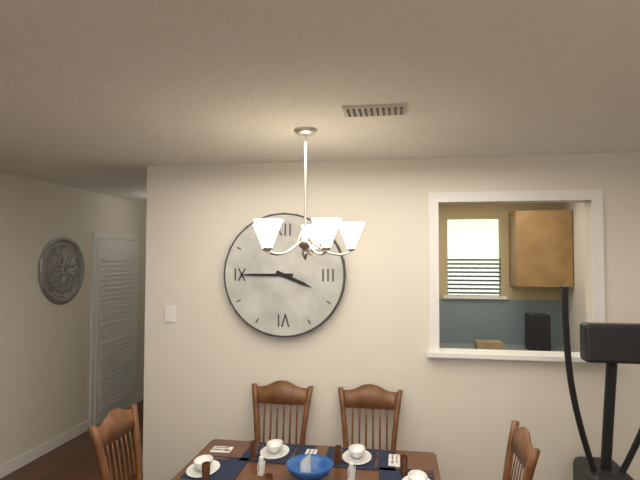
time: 3:45
